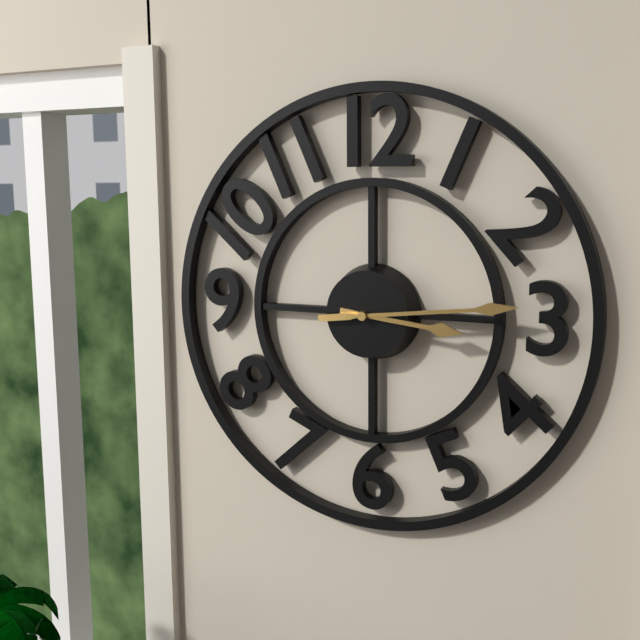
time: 3:14
